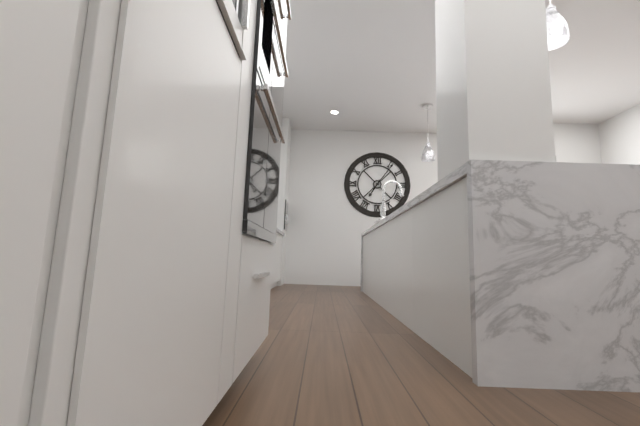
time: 7:06
